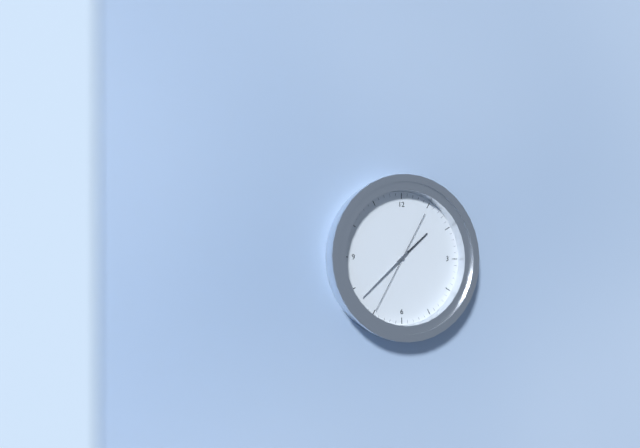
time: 1:38:35
